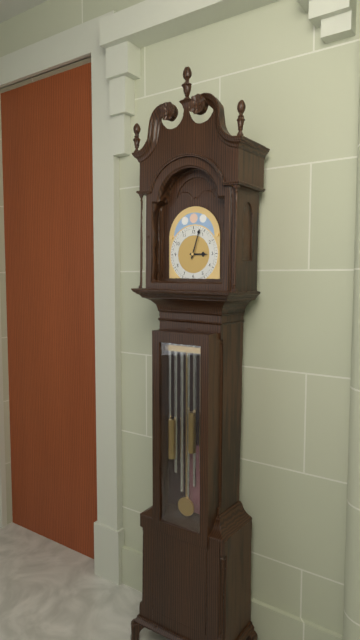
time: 3:03
